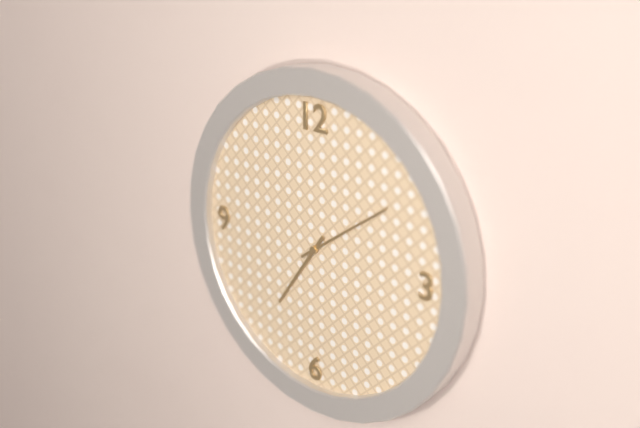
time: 7:09
